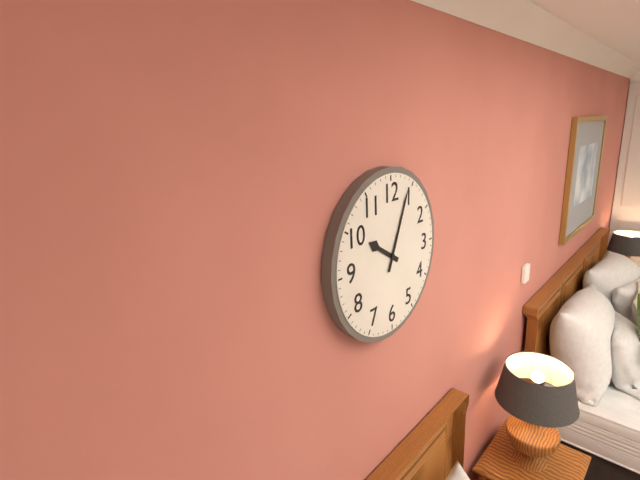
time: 10:04
